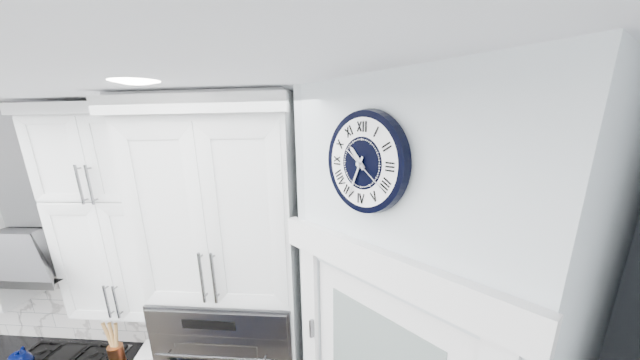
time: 10:34
